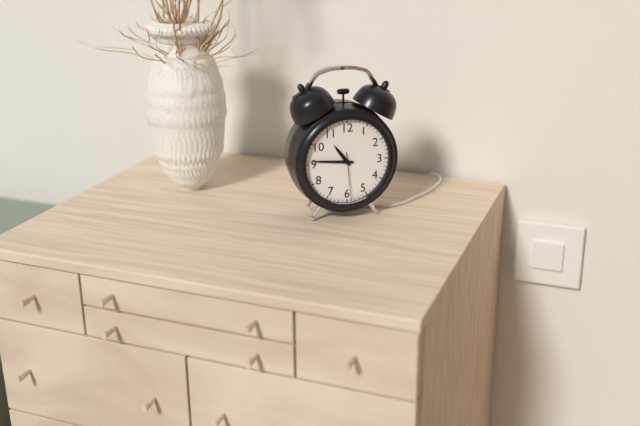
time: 10:46
